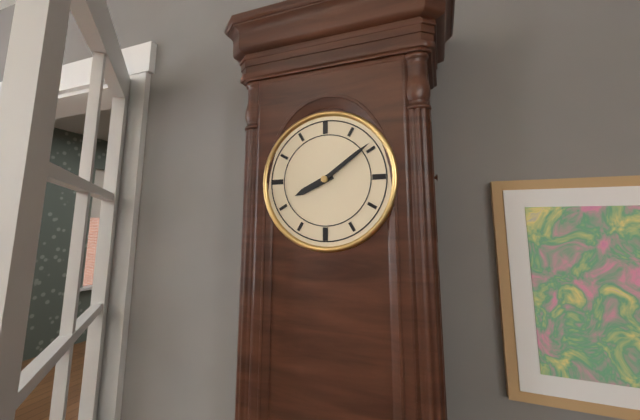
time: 8:09
